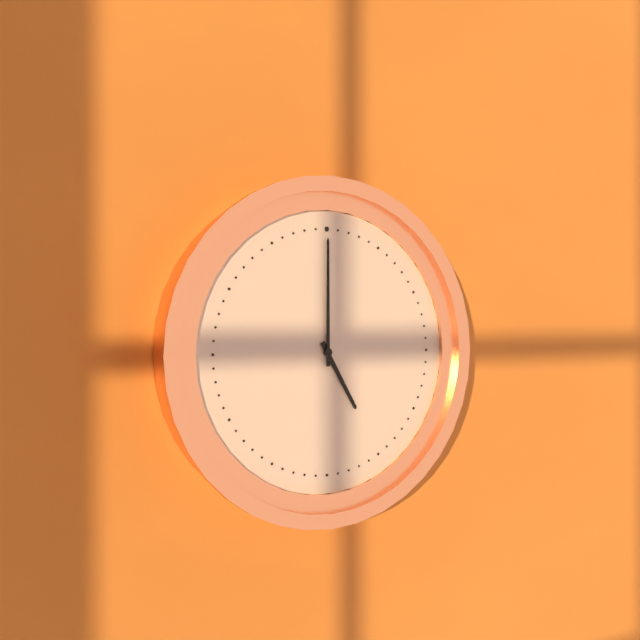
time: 5:00
